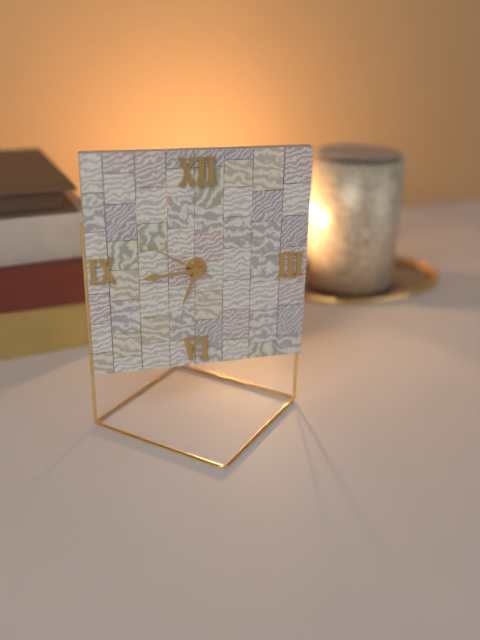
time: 6:44:50
